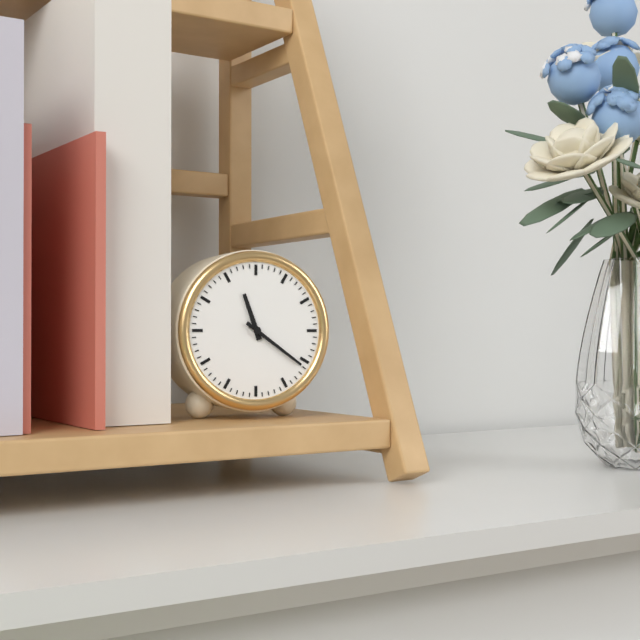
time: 11:21
